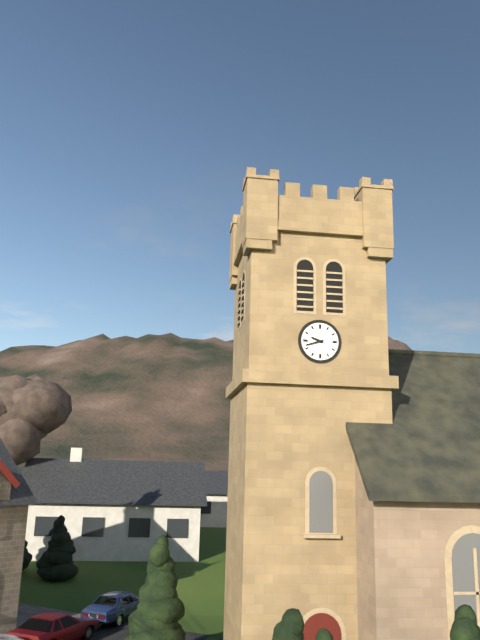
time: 9:42
